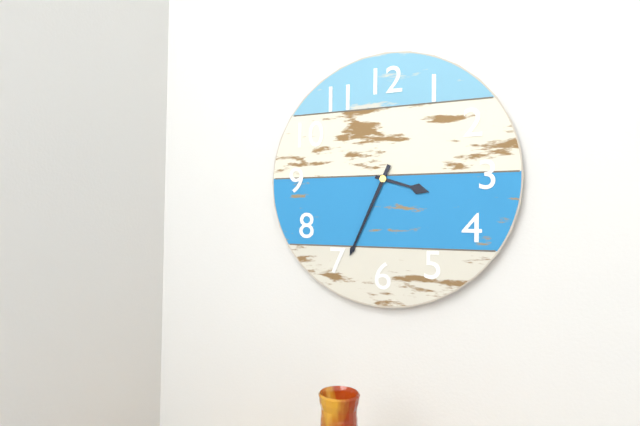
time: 3:34
